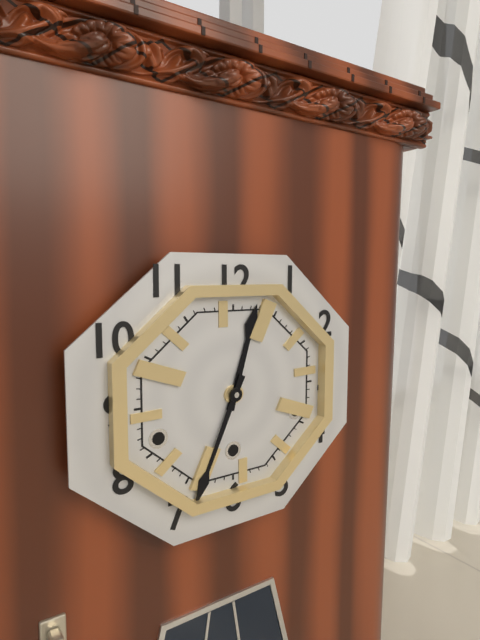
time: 12:34
